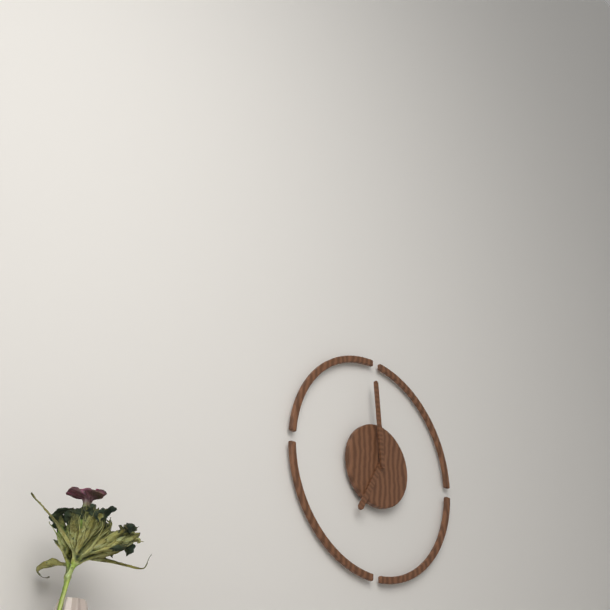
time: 6:59
